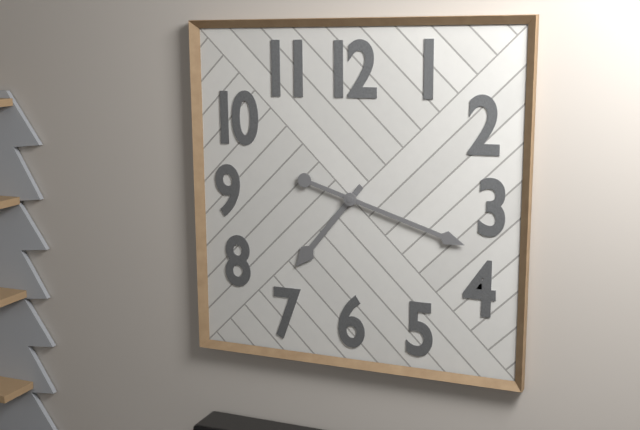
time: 7:18
